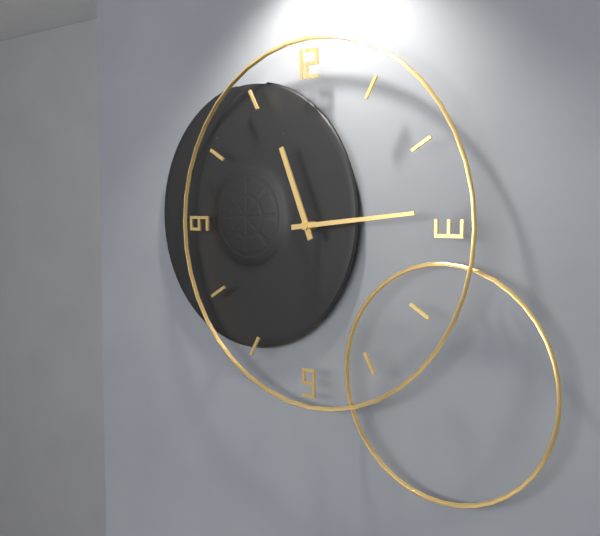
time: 11:14
